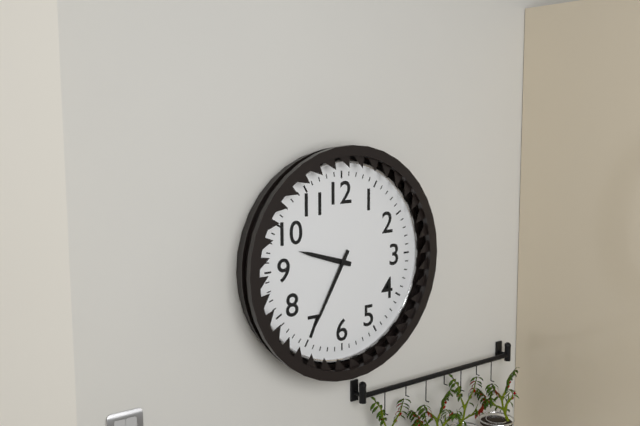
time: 9:35
